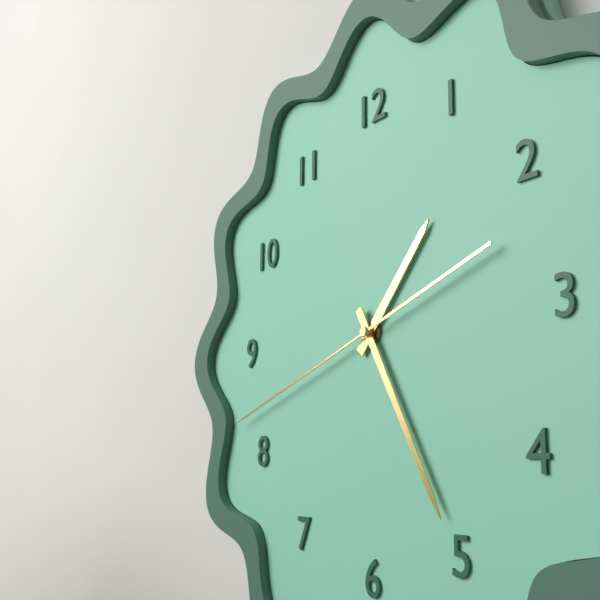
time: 1:25:42
